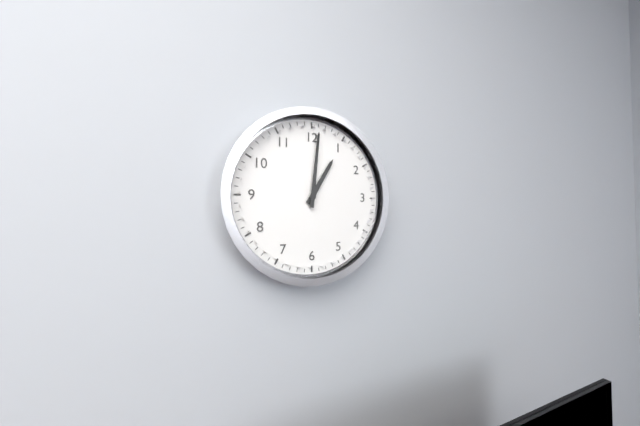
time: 1:01
